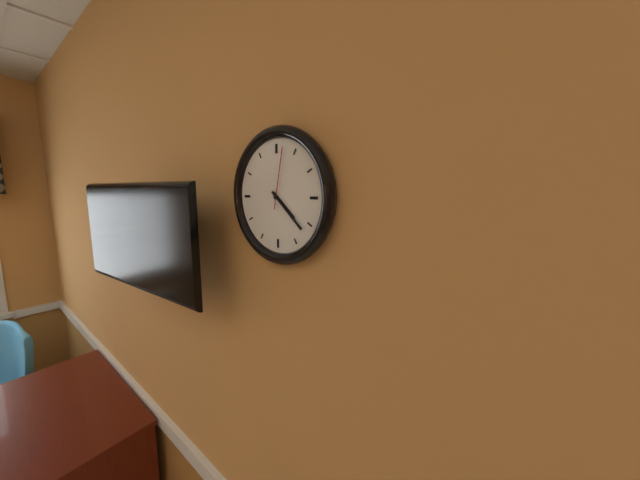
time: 4:22:02
